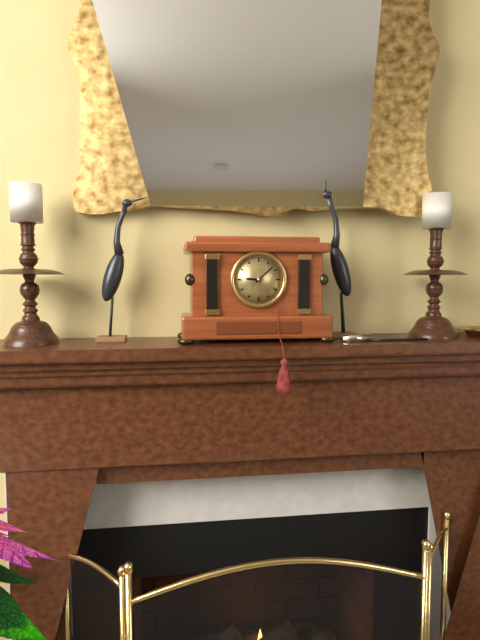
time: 9:08
